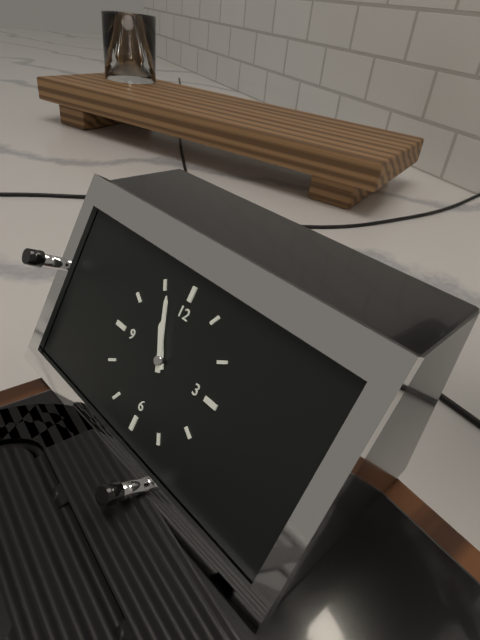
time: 10:56
